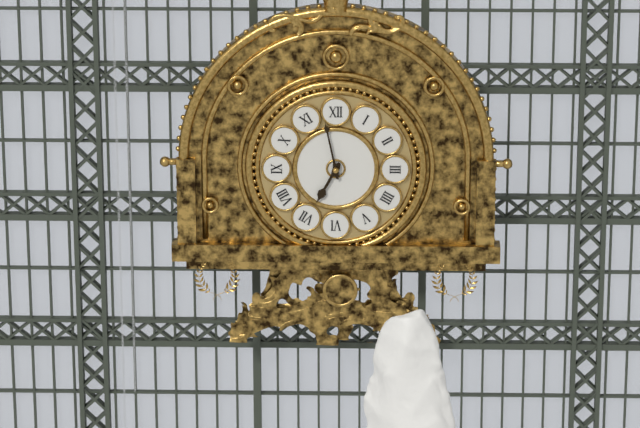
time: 6:58
